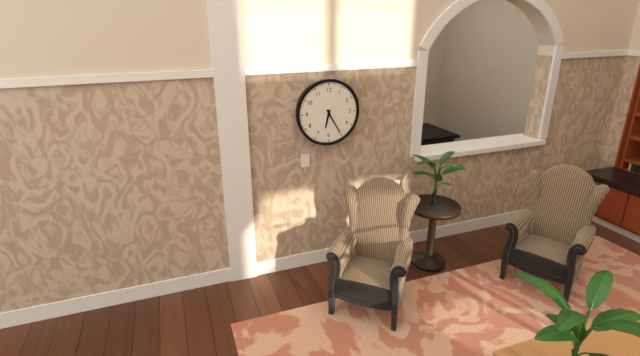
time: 6:25
